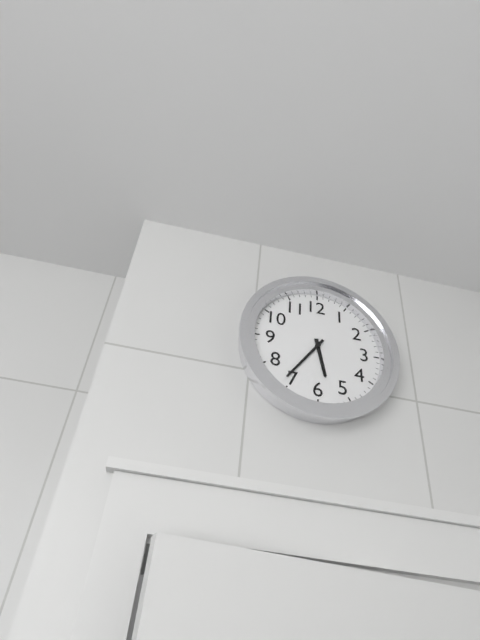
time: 5:36
